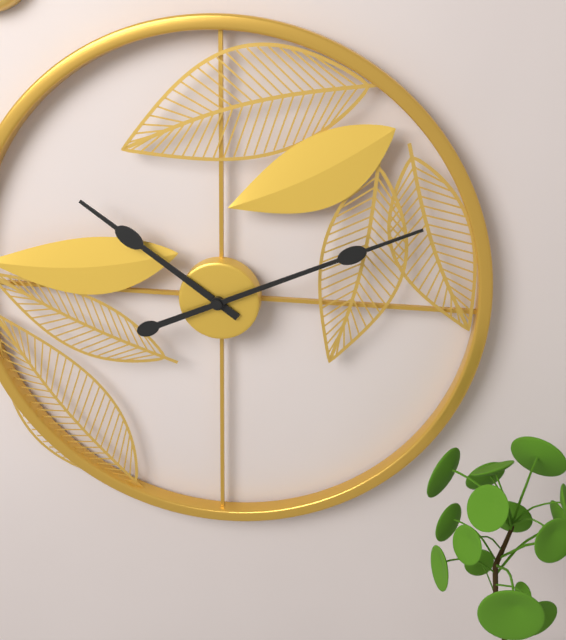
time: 10:11
